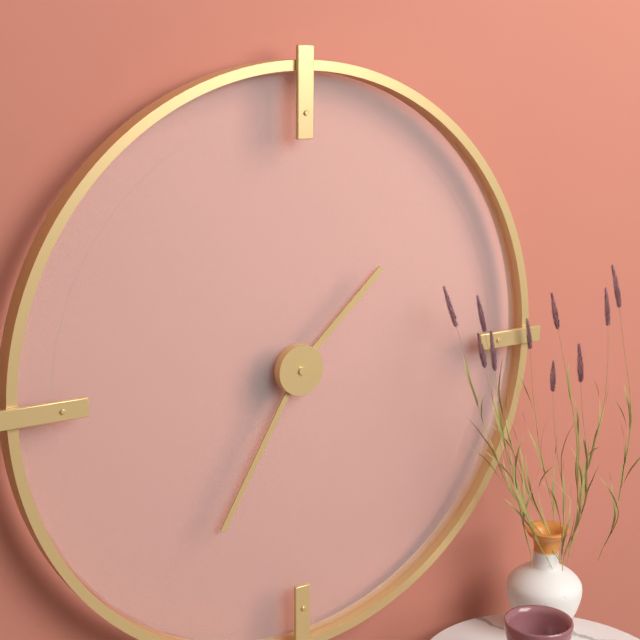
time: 1:35
